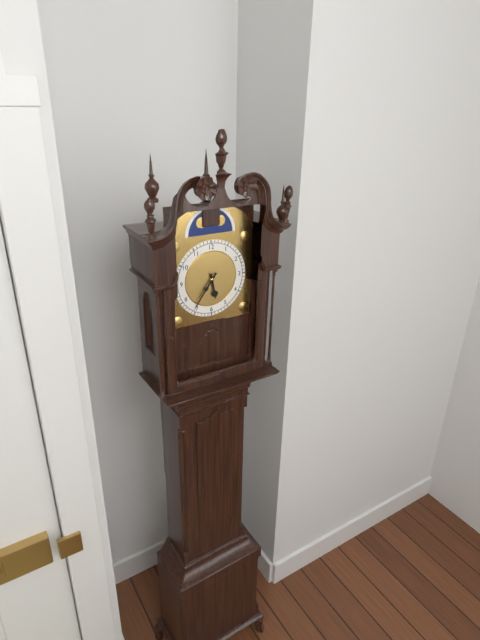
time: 5:36
